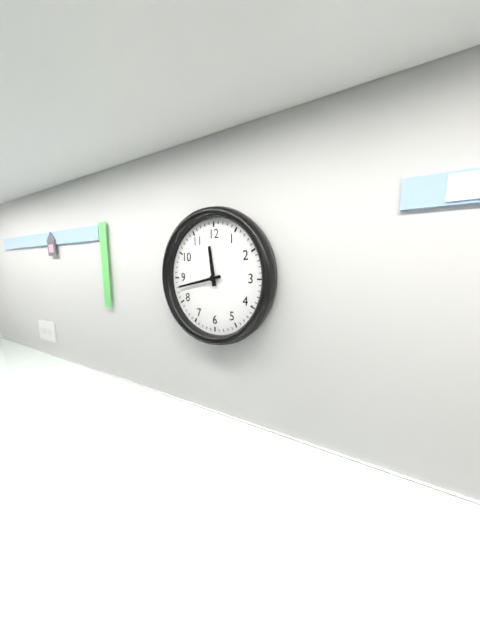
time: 11:43
